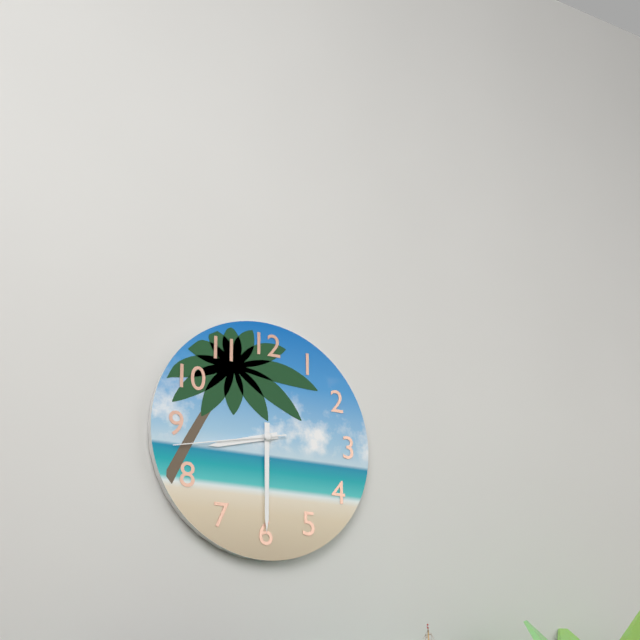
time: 8:30:43
